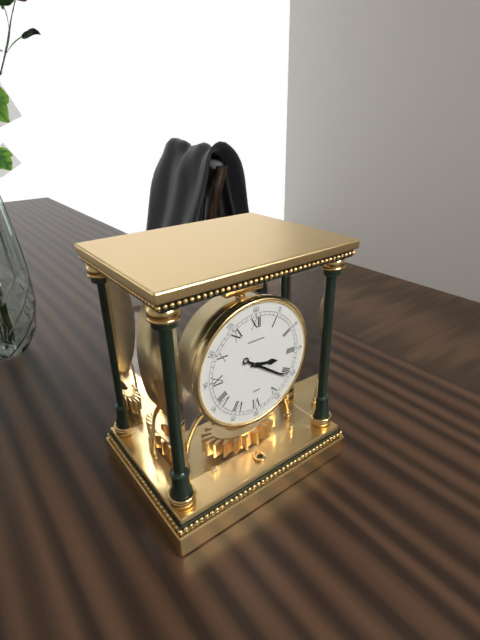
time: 3:21
